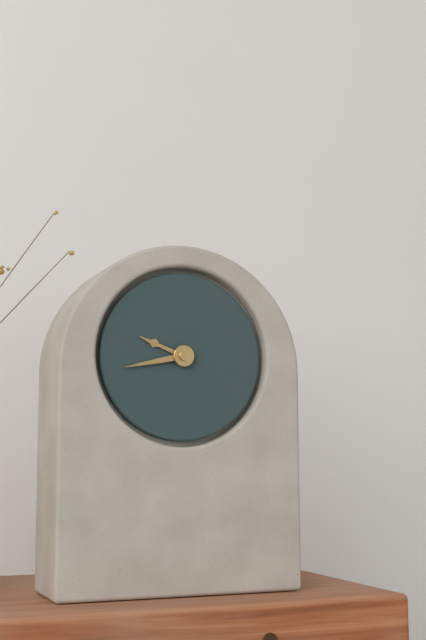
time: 9:43
